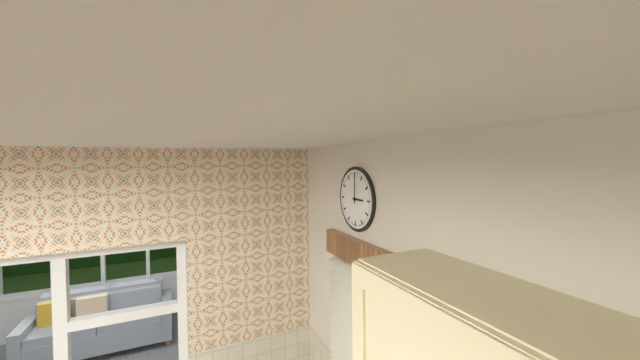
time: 3:00
